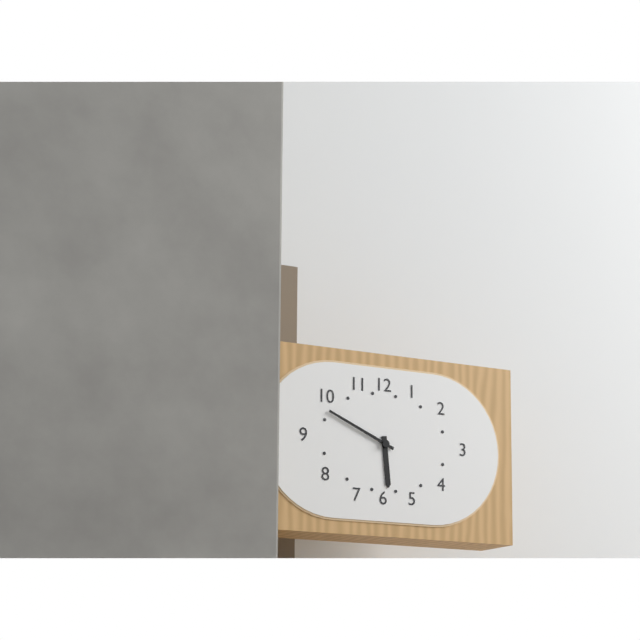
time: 5:49
